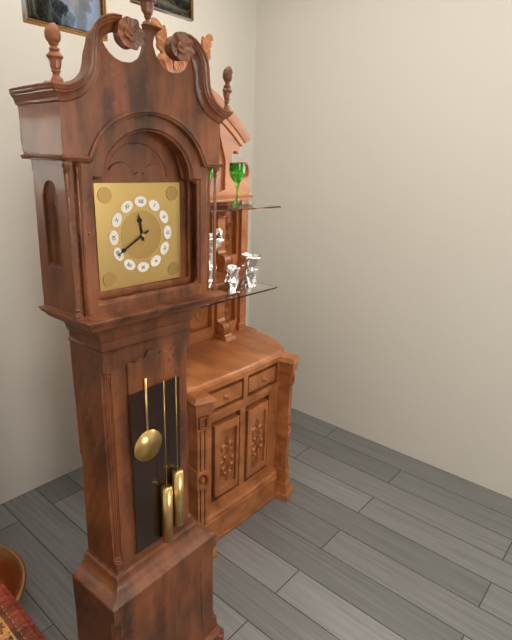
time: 11:40
